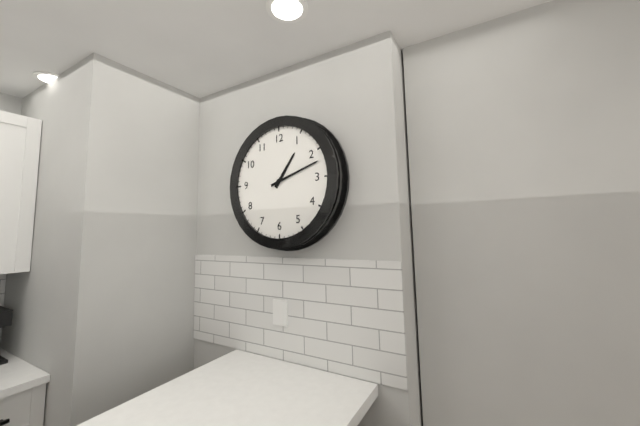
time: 1:12
